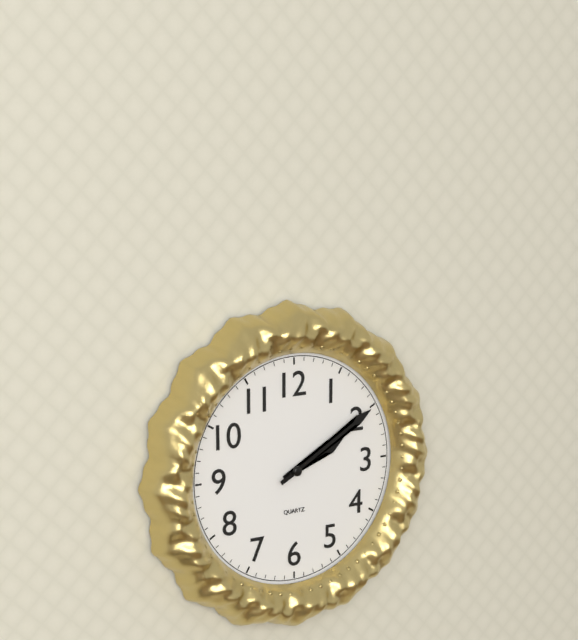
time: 2:10
